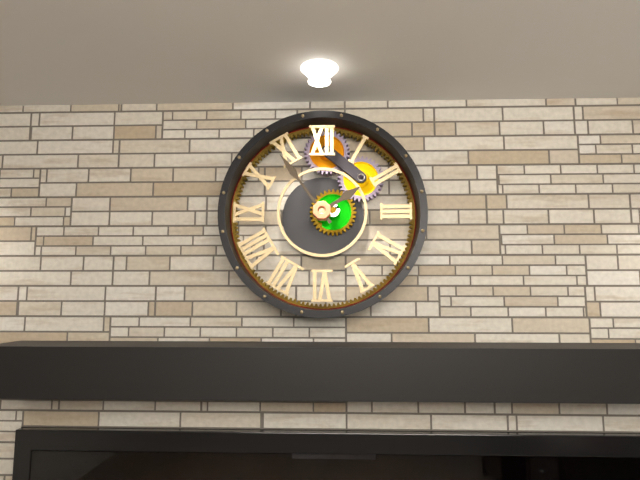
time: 1:54
